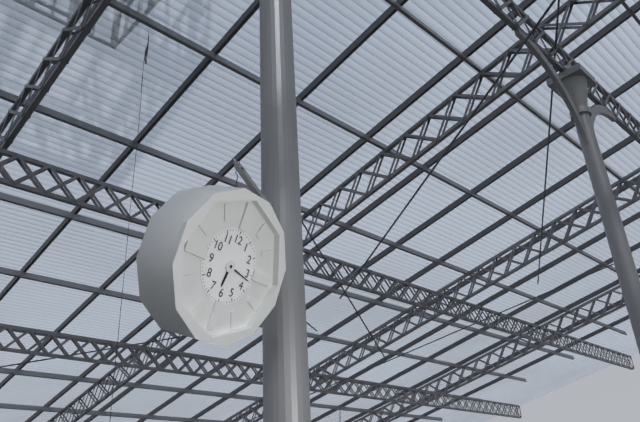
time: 6:17
